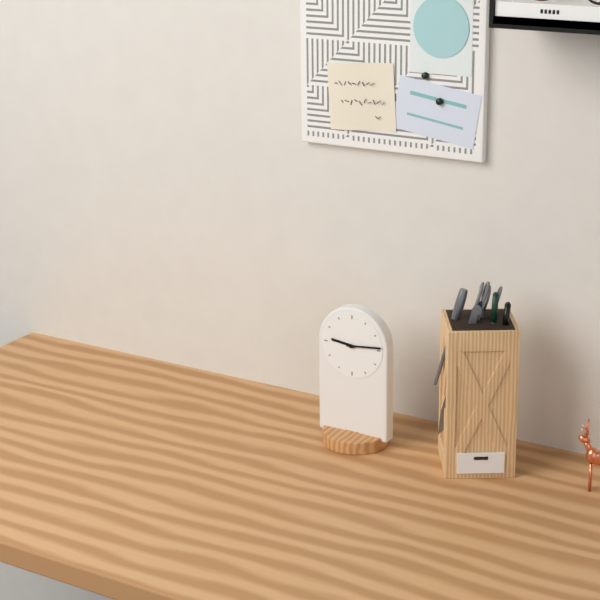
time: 9:14
